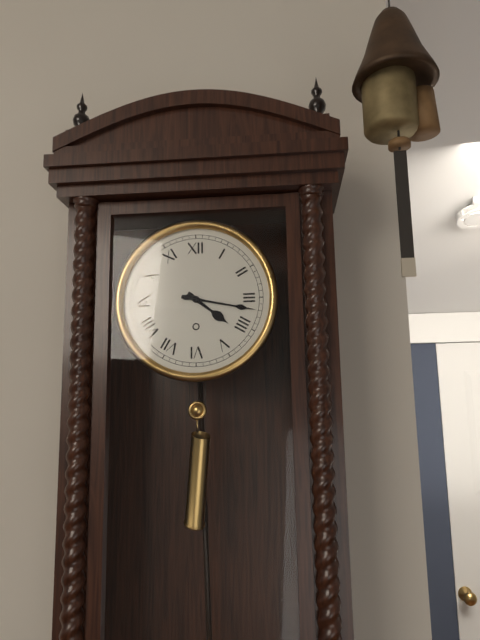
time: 4:17
